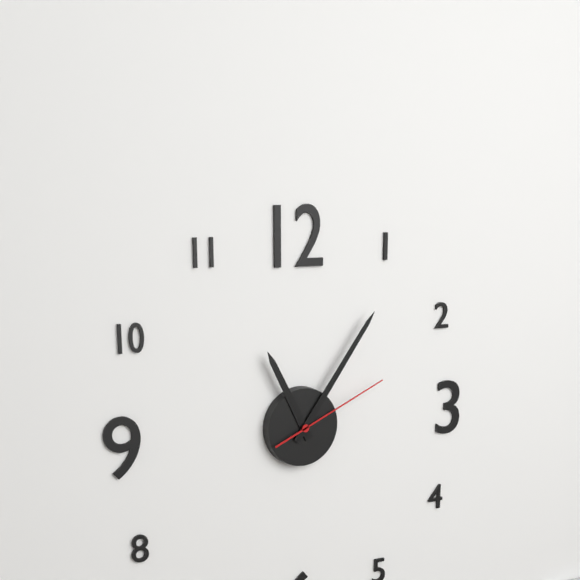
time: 11:06:11
